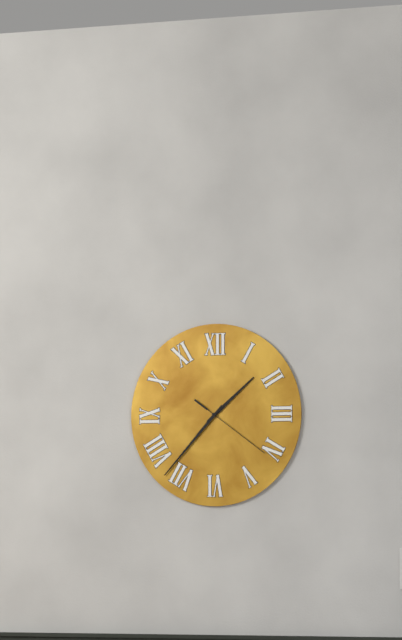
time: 1:37:21
